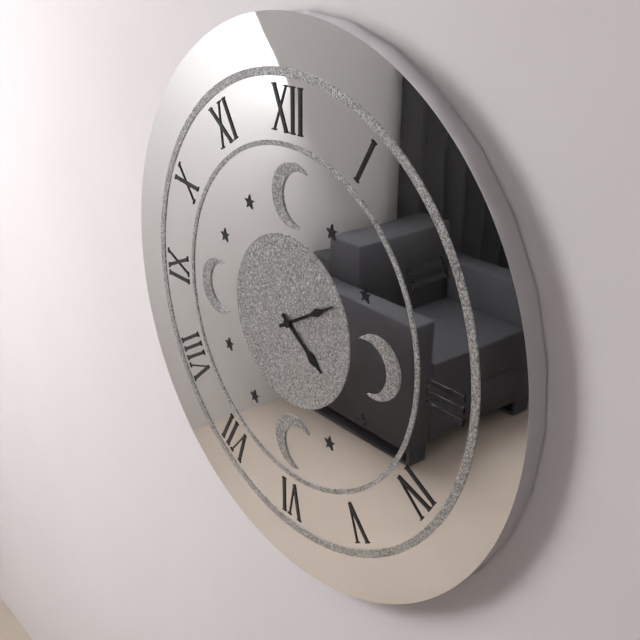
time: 4:10
